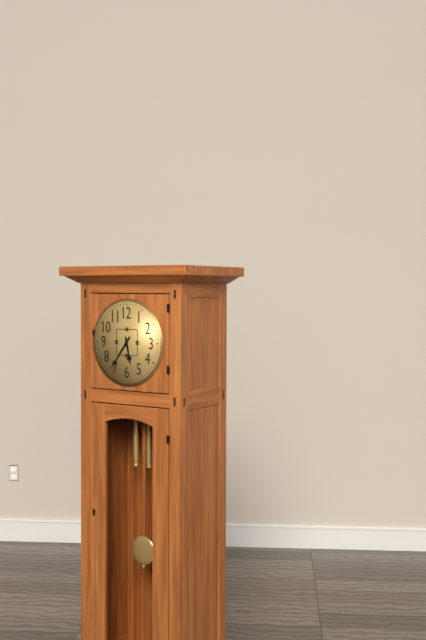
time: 5:36
